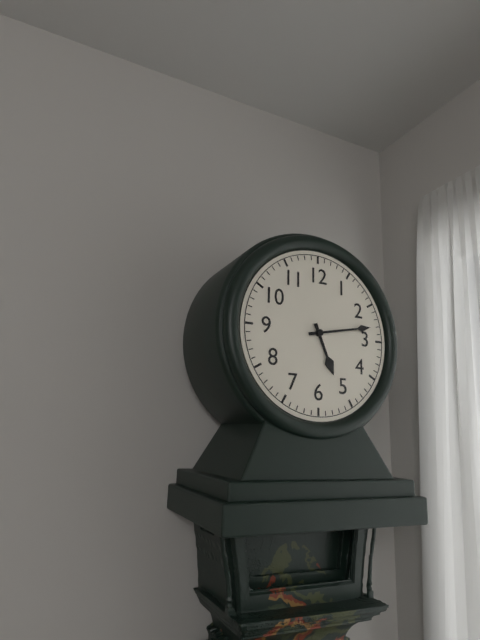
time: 5:13
